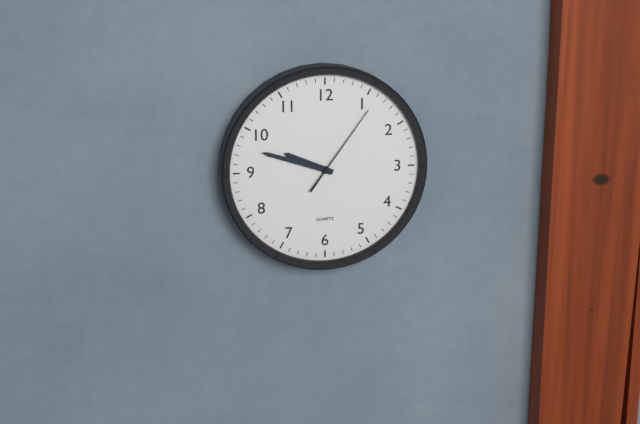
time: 9:48:06
